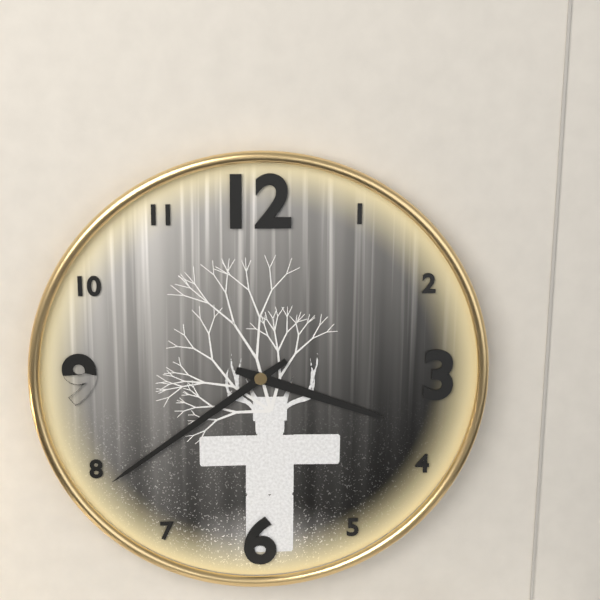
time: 3:39
